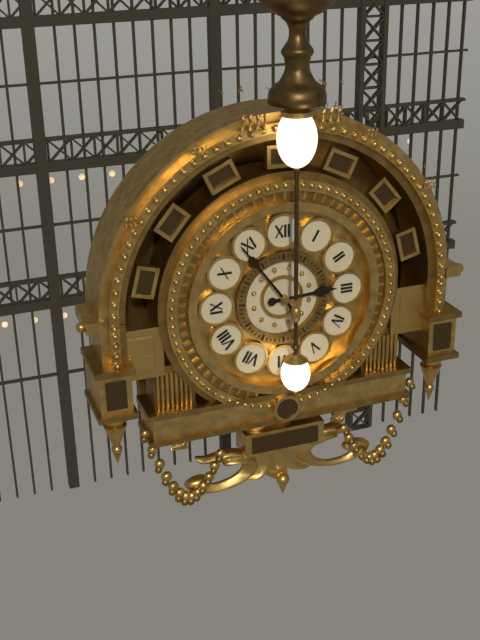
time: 2:54
